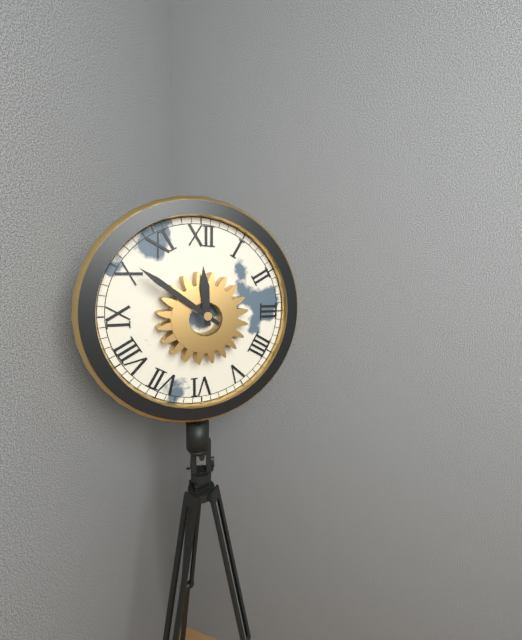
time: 11:51
